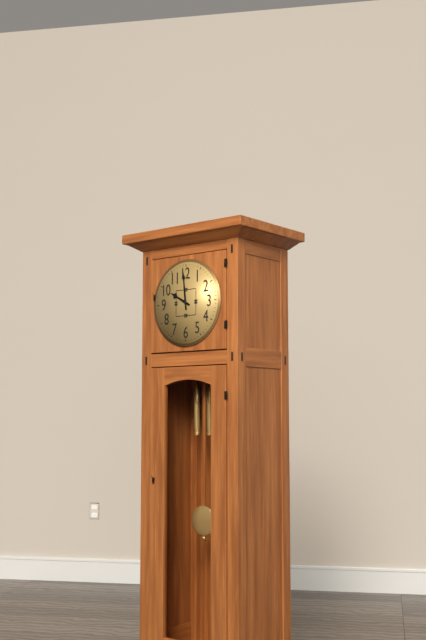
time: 9:59
